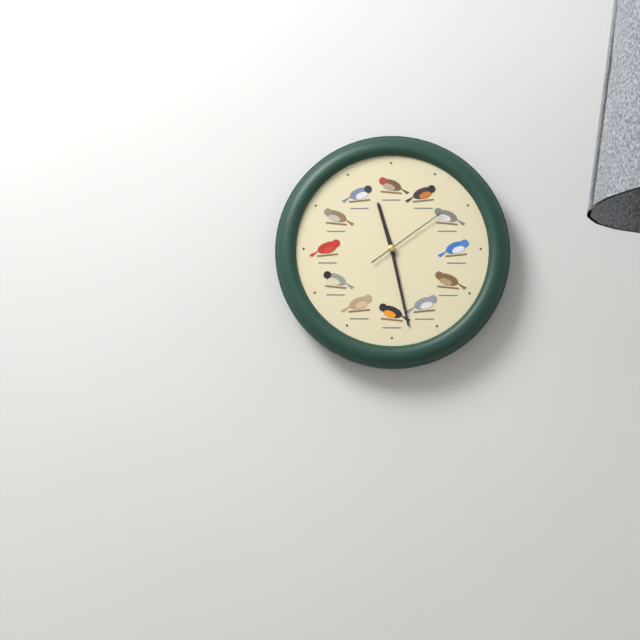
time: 11:28:09
